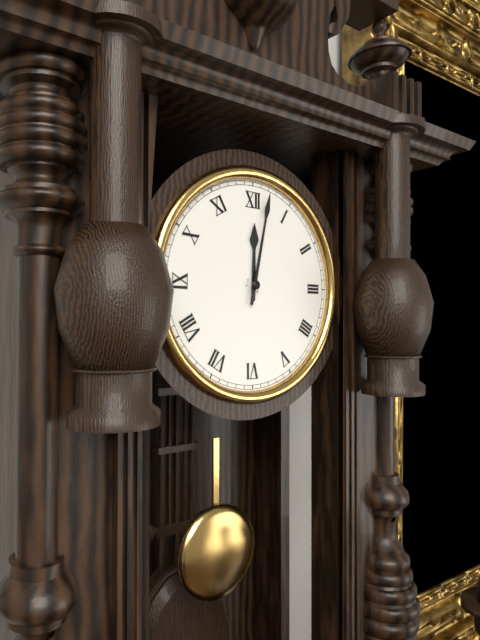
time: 12:02
